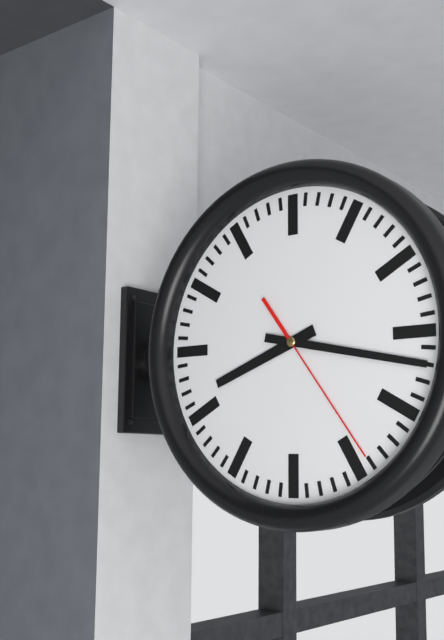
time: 8:17:24
